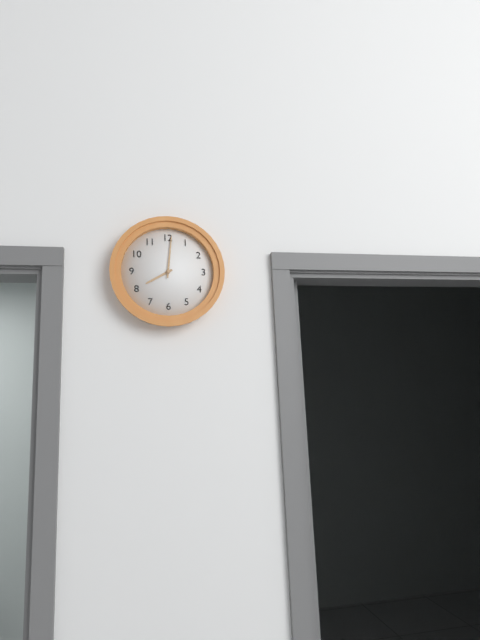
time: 8:01
